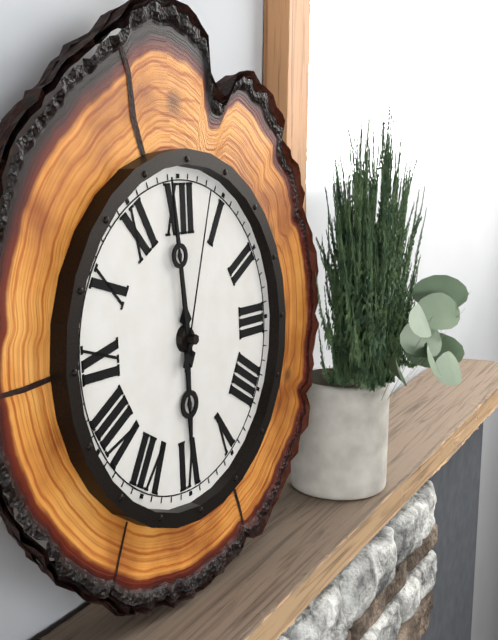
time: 5:59:03
